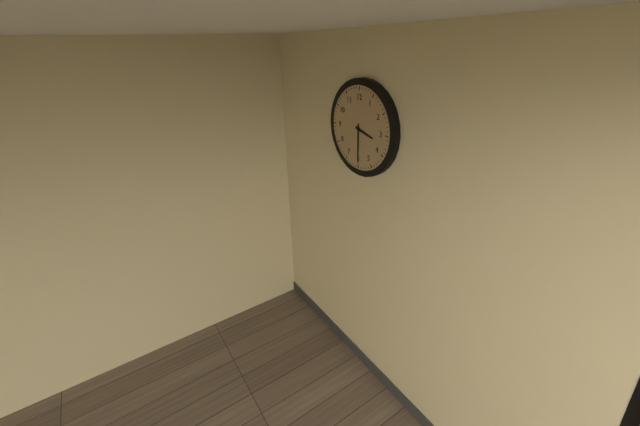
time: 3:30
